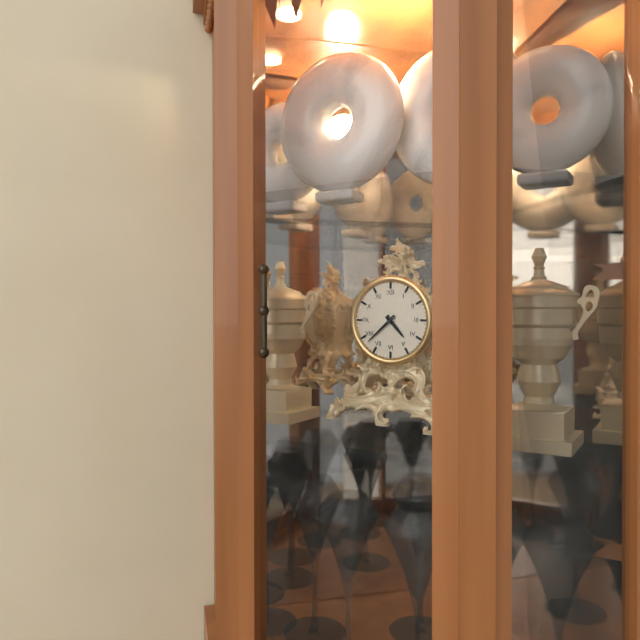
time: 4:38
